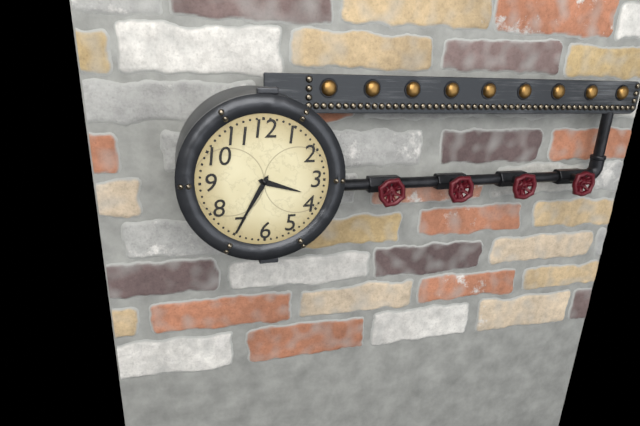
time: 3:35
